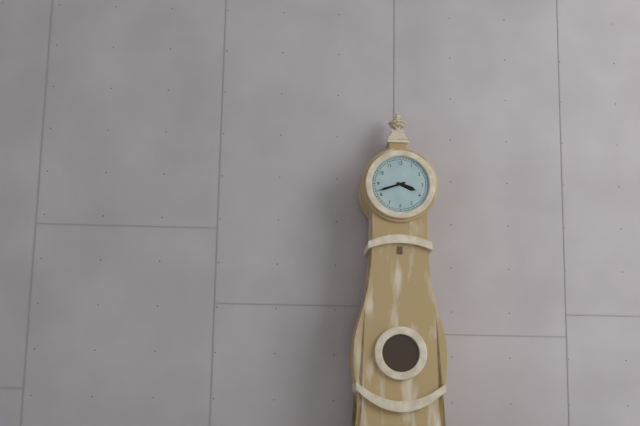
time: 3:42
